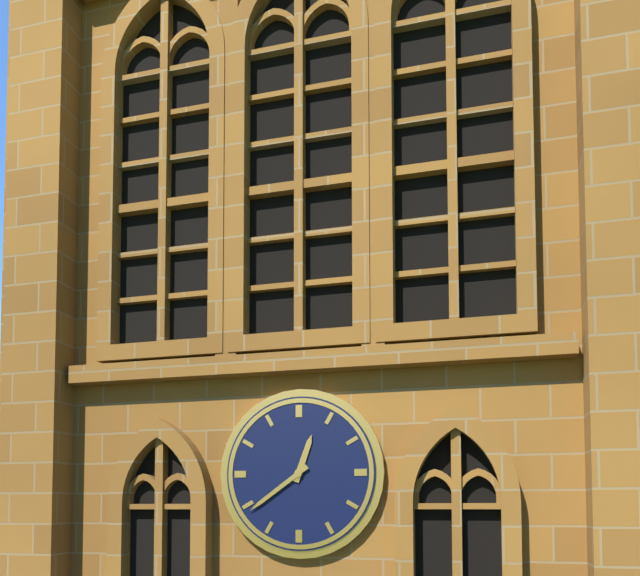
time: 12:39
